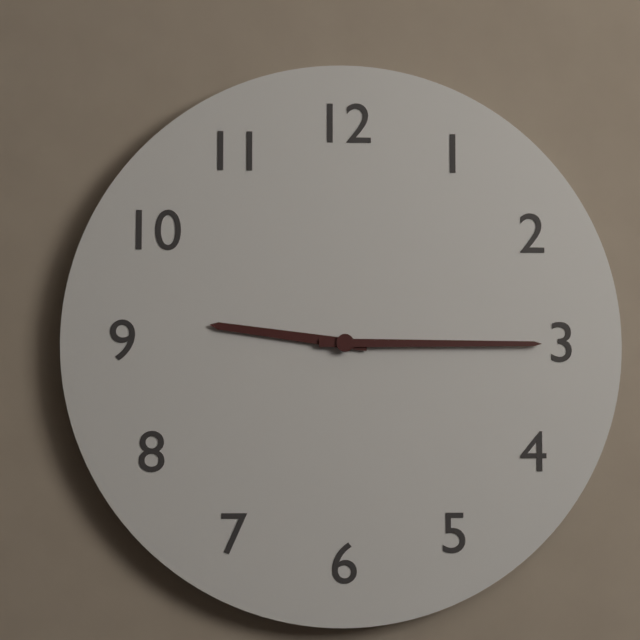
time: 9:15
